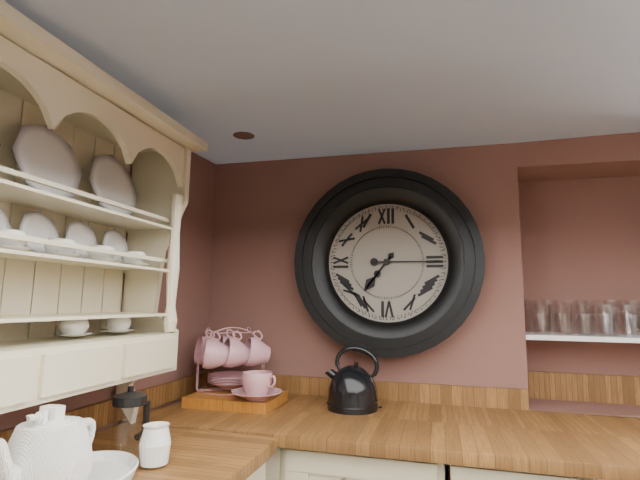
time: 7:15
